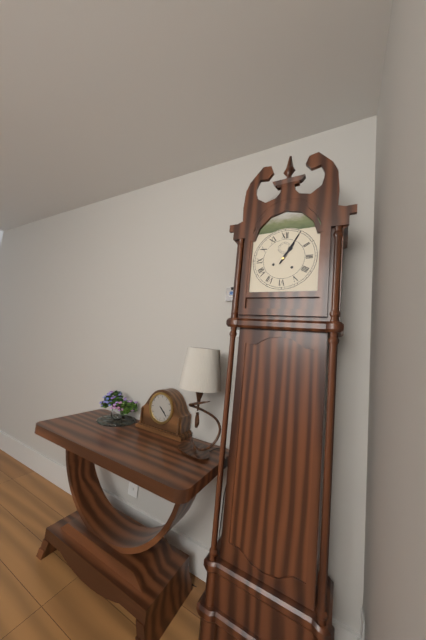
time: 1:05
